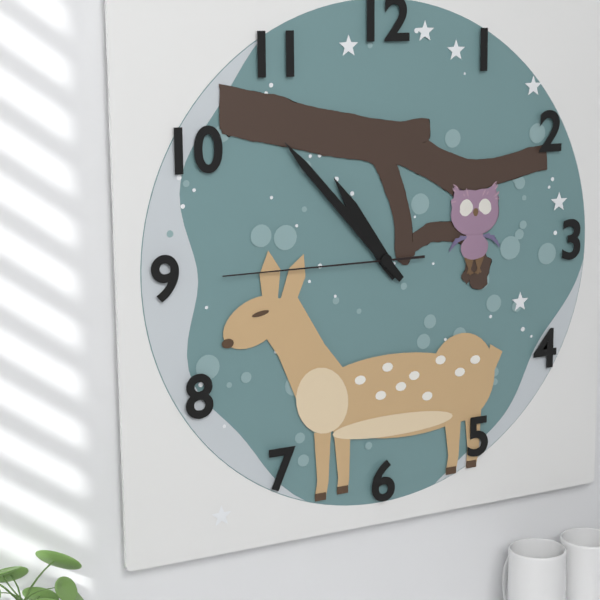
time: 10:53:45
